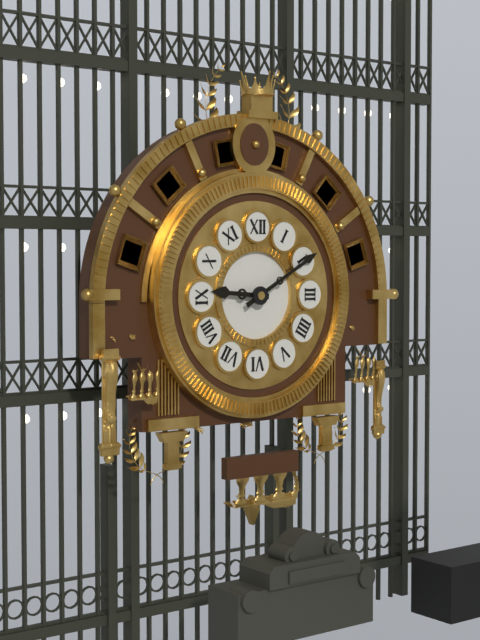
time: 9:10
